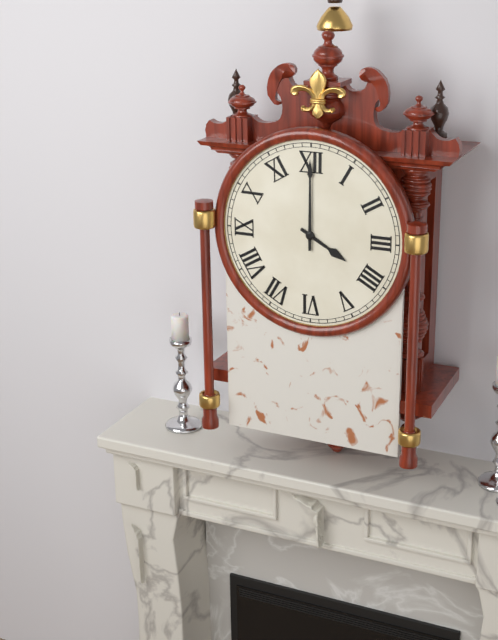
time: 4:00
